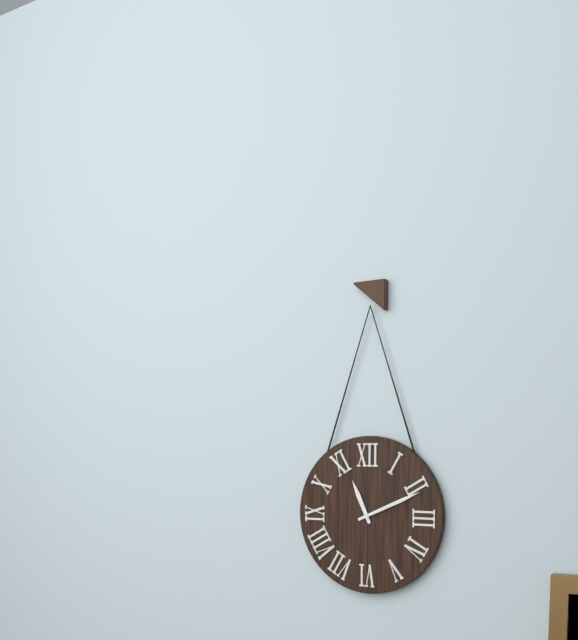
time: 11:11
